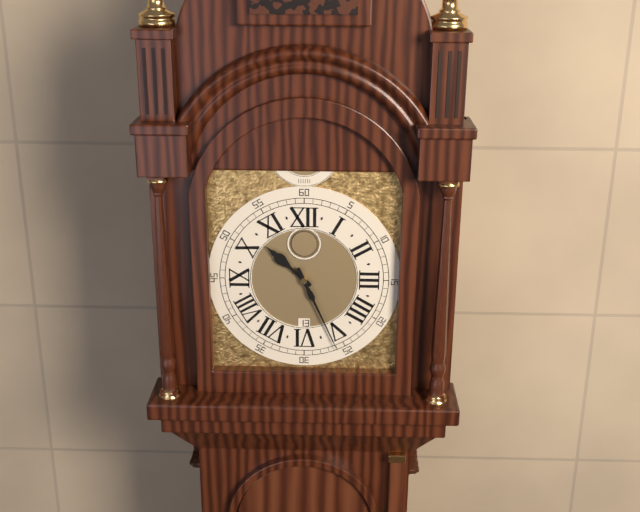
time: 10:26
